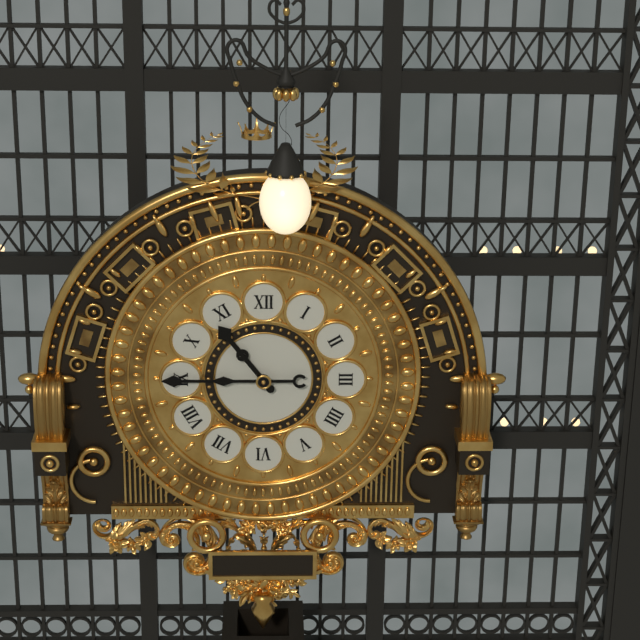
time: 10:45
